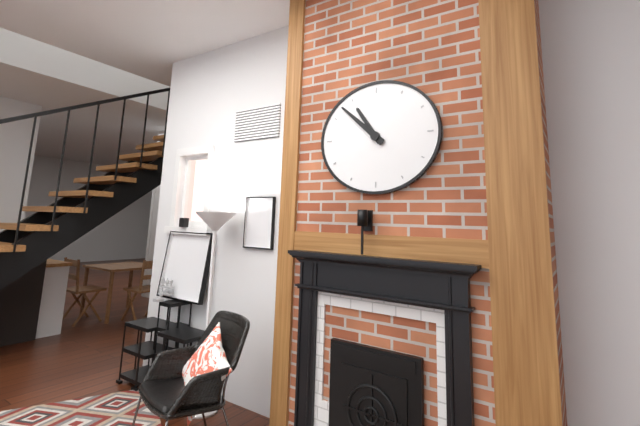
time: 10:52
